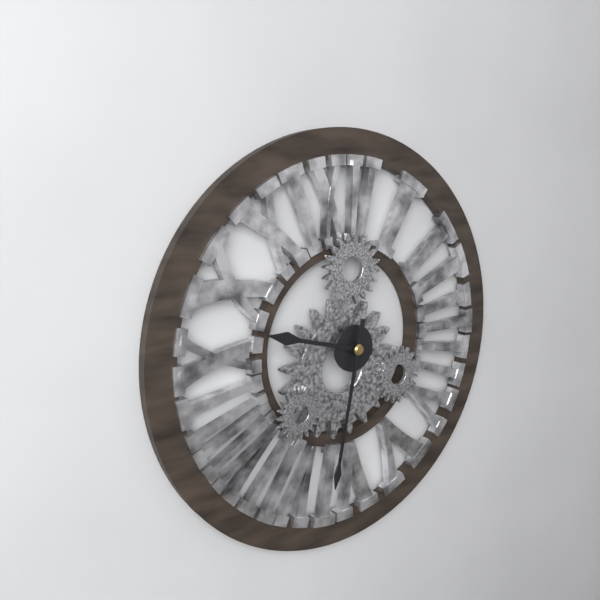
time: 9:32
